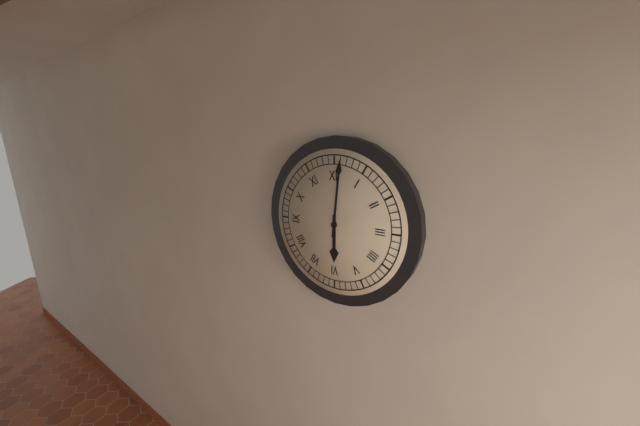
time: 6:01
